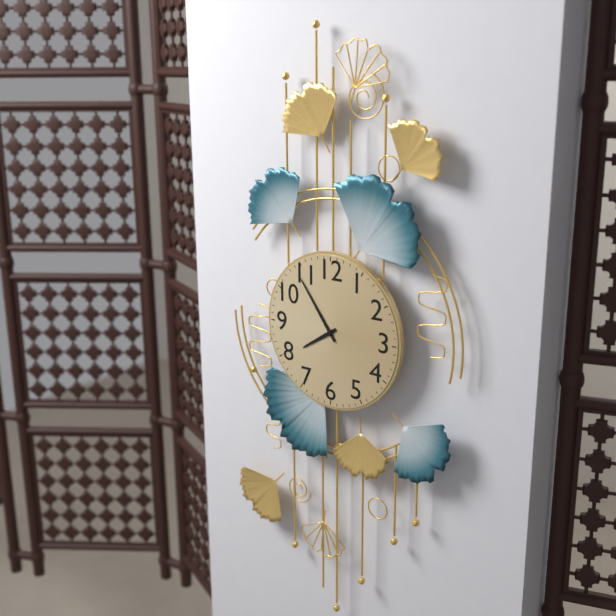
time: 7:54
